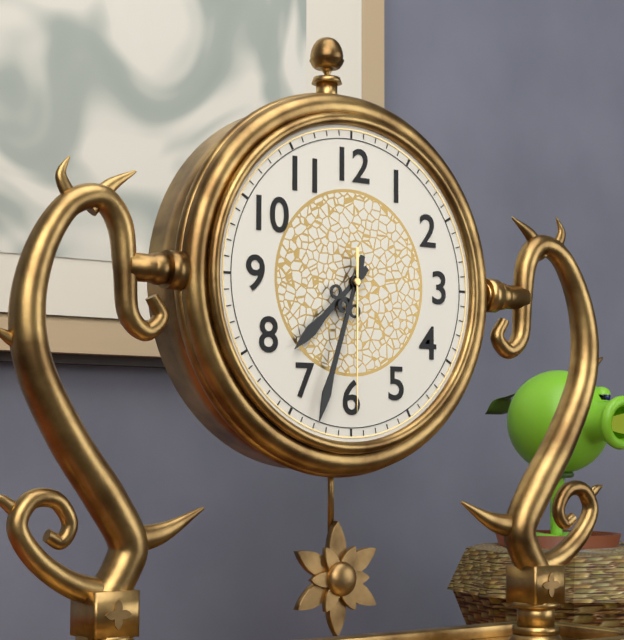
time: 7:33:30
